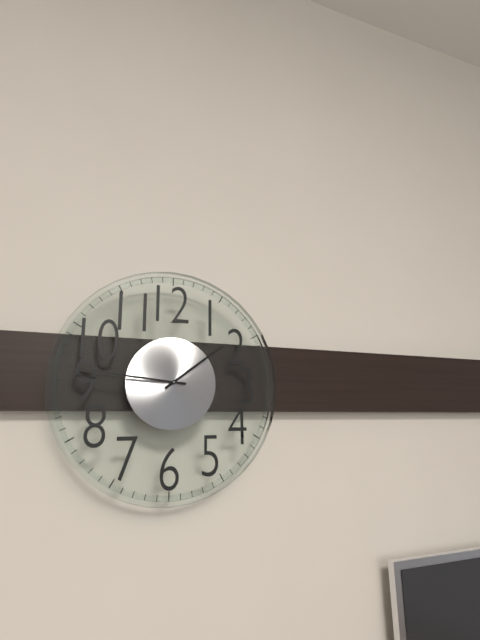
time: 1:46
